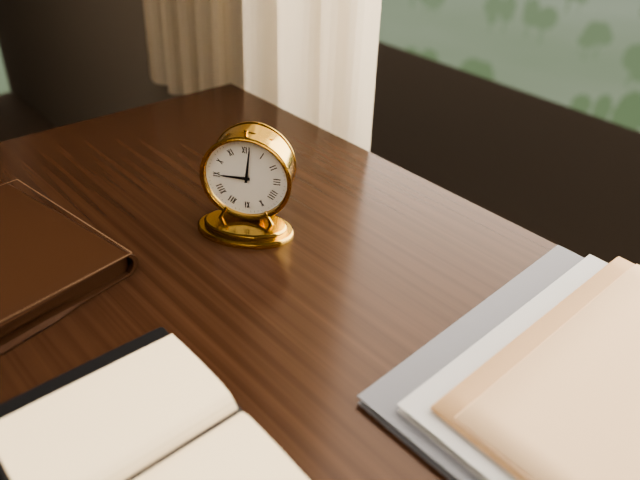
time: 9:01
